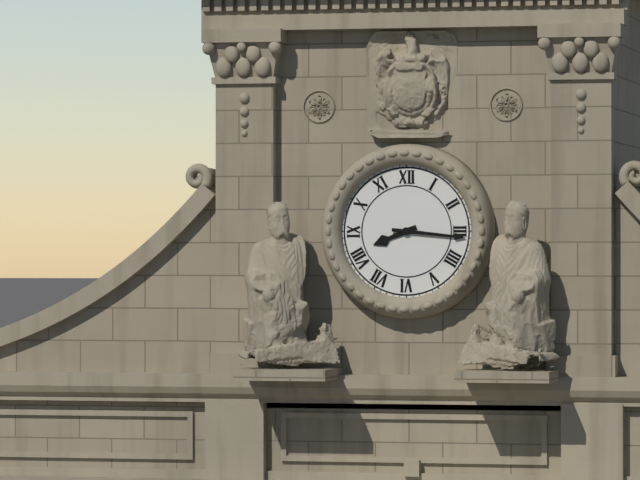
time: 8:16
